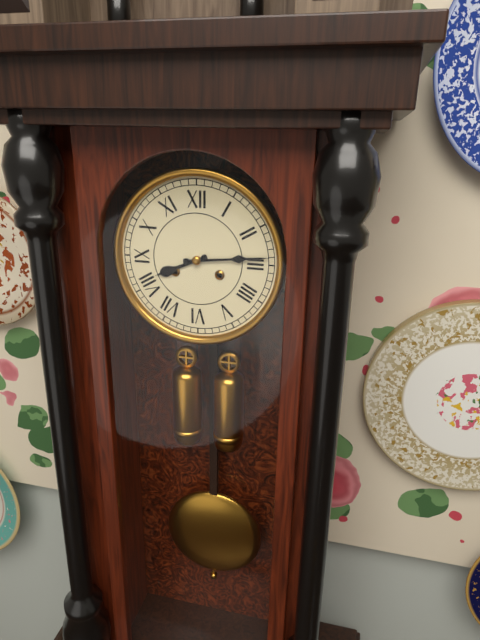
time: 8:14
